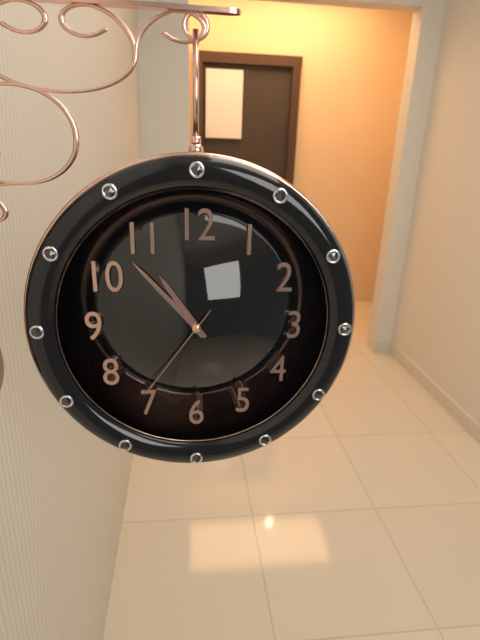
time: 10:53:36
